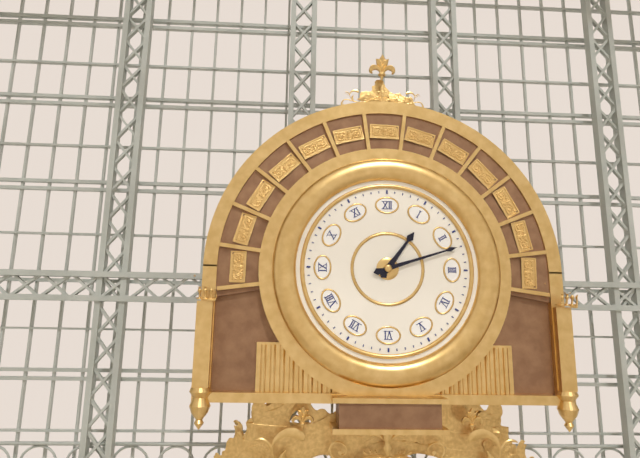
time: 1:12
